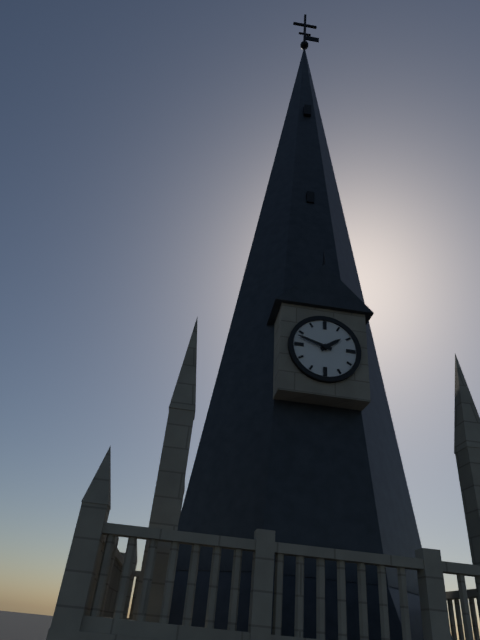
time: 1:48
